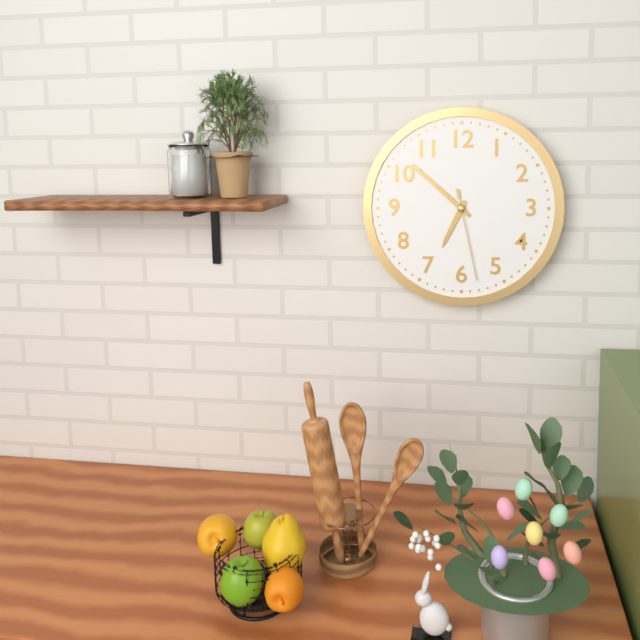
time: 6:52:28
